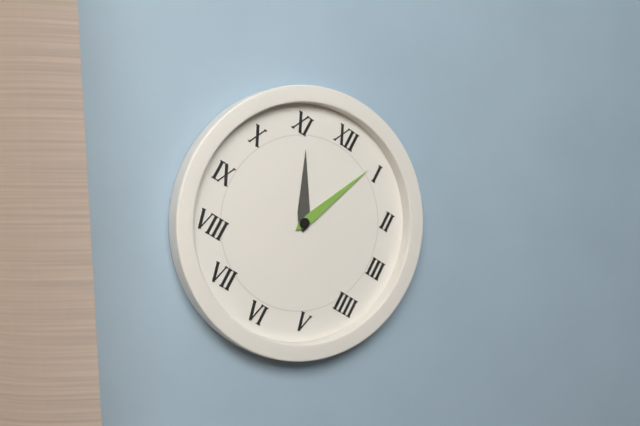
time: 11:04
